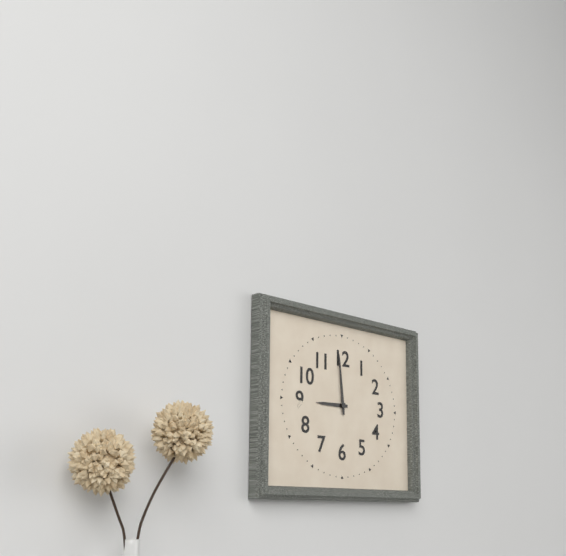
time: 8:59
